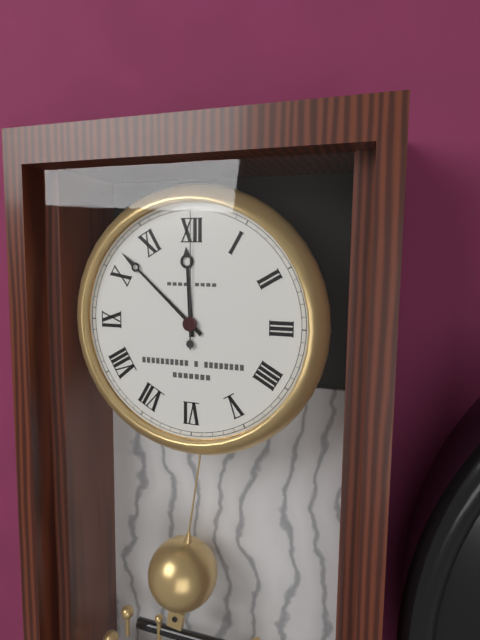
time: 11:52:00
